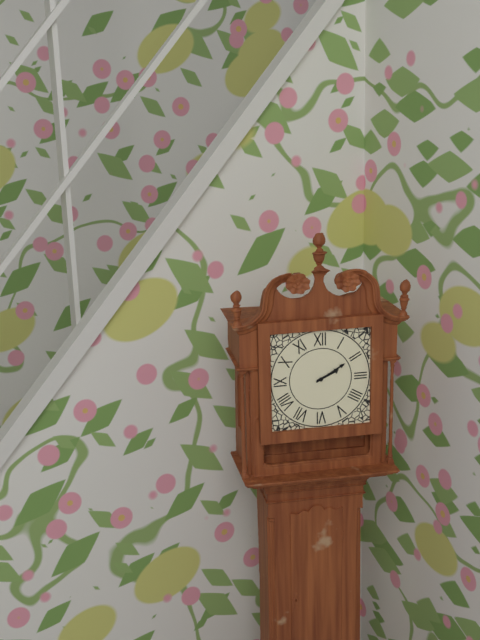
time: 2:10
